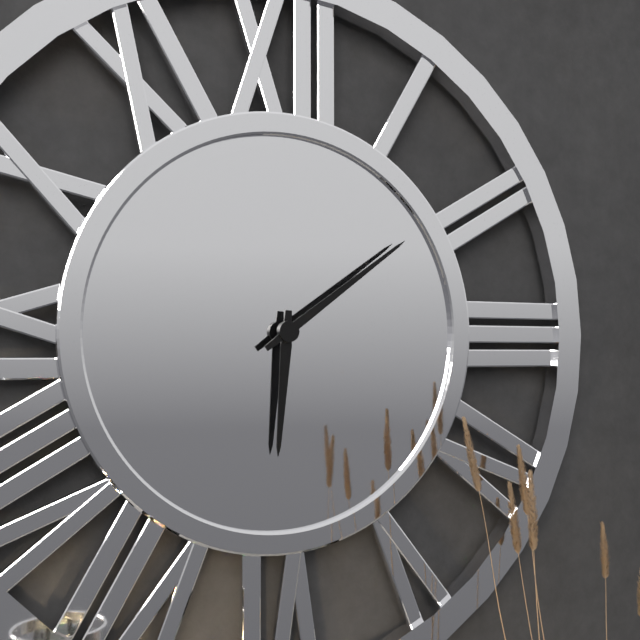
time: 6:09
